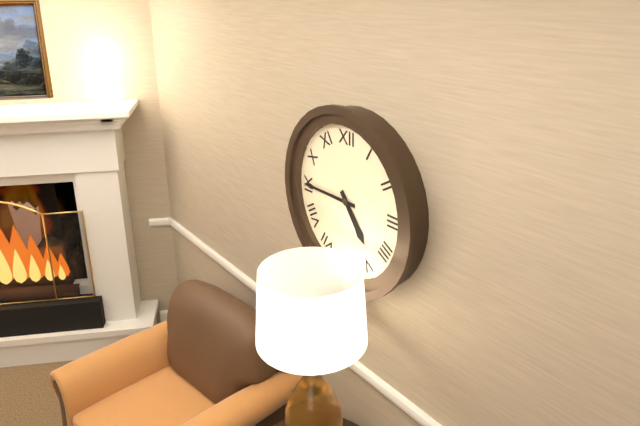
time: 4:45
